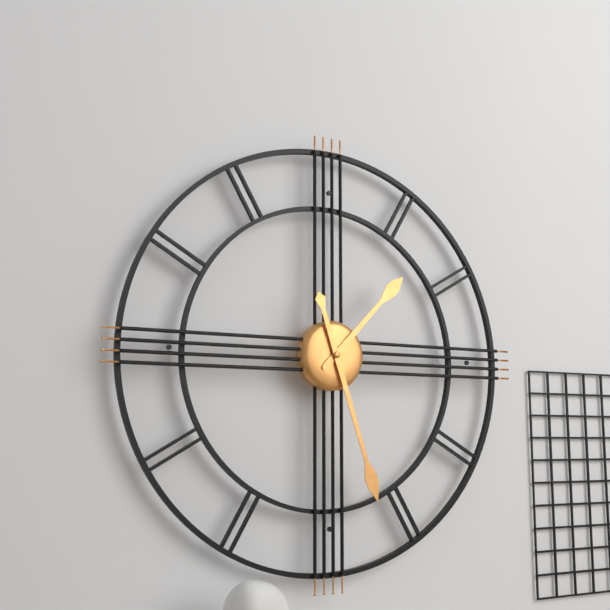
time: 1:27
